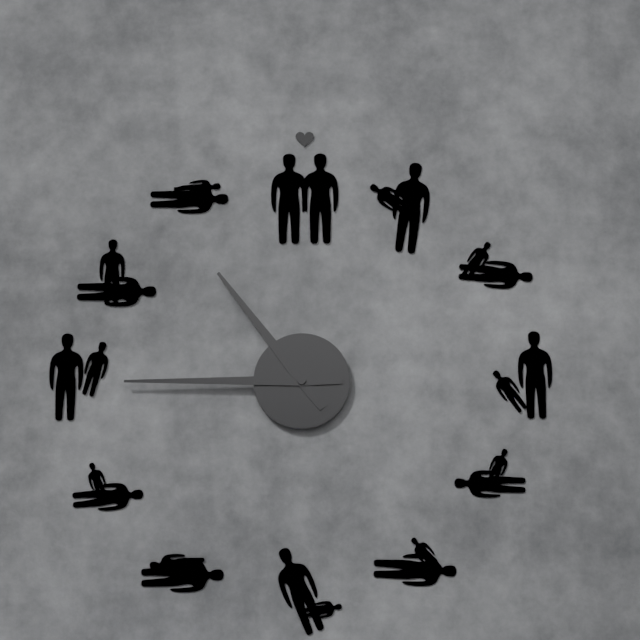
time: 10:45
